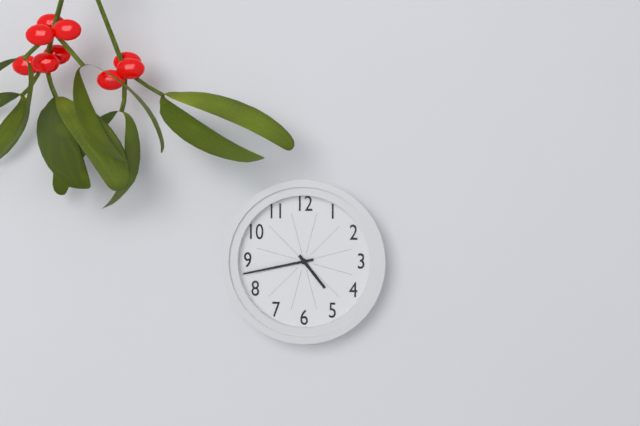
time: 4:43
